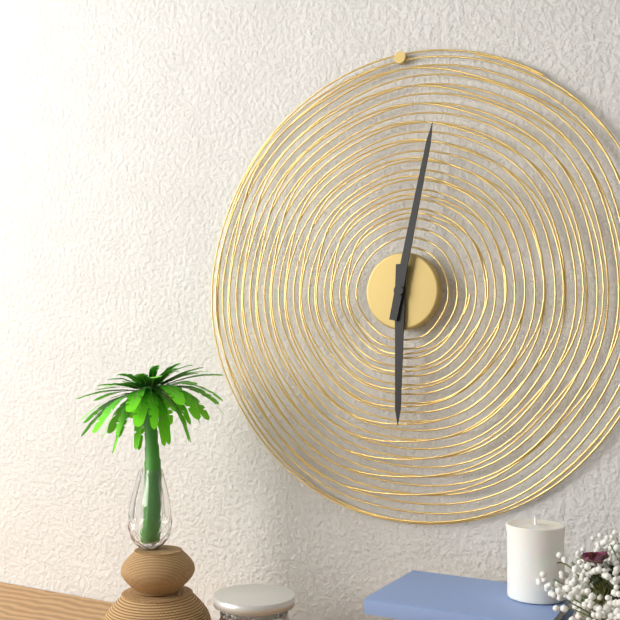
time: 6:02
